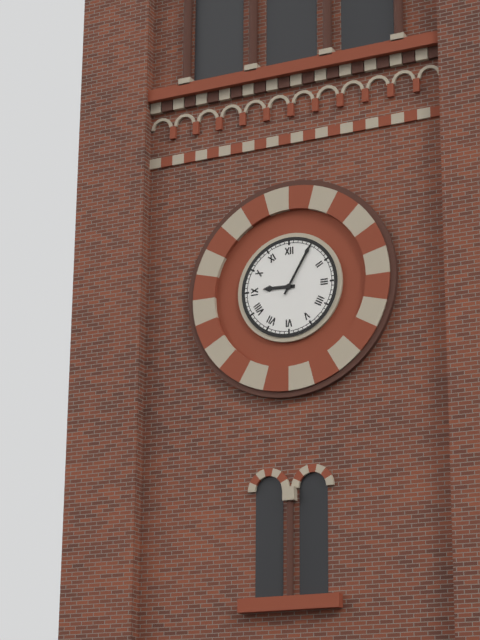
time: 9:05
